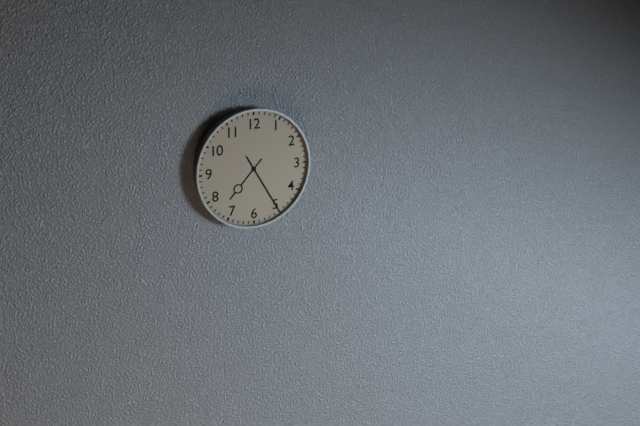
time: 7:25
